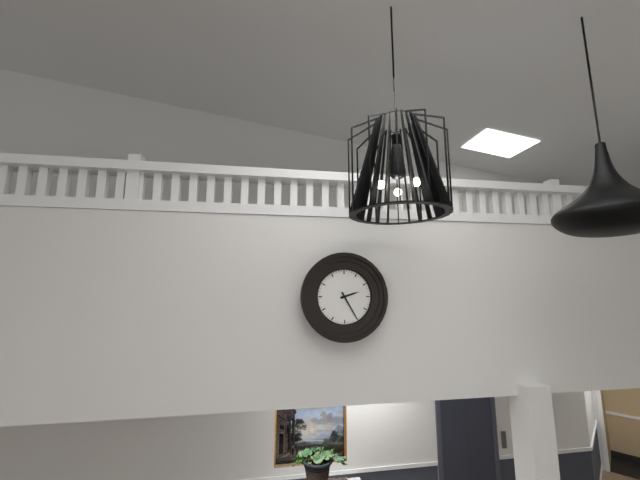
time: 2:25
